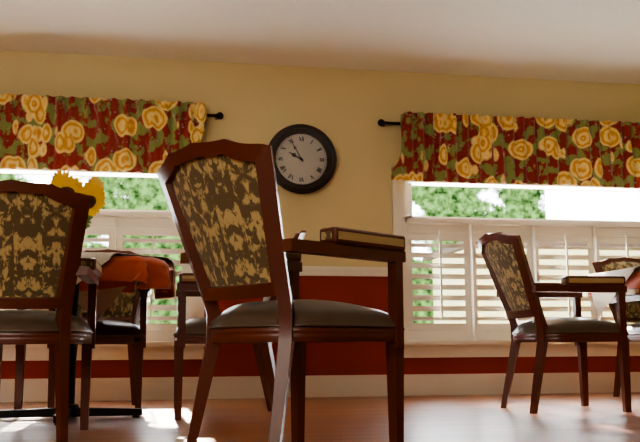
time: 9:55
